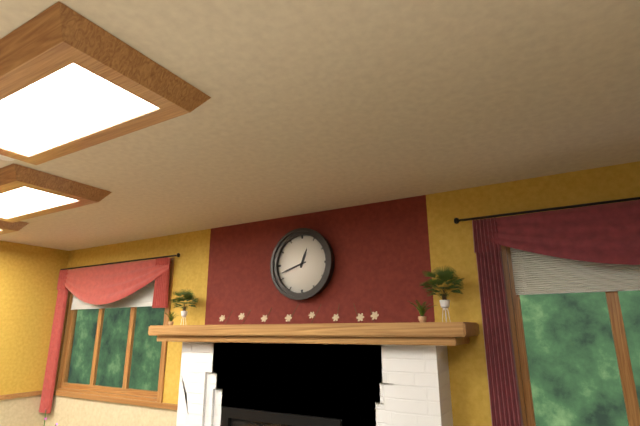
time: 12:42
